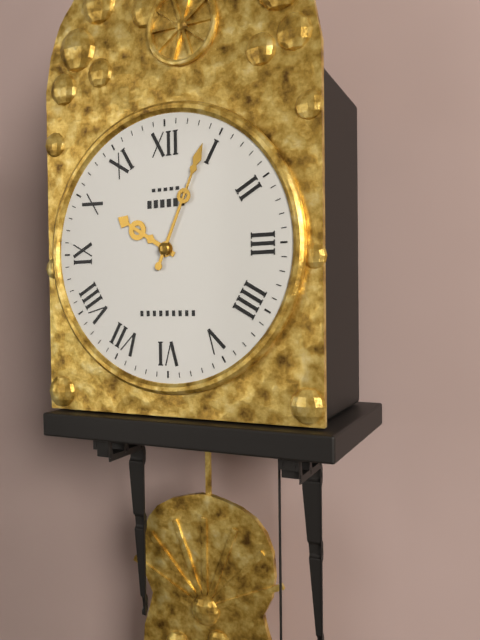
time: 10:04
